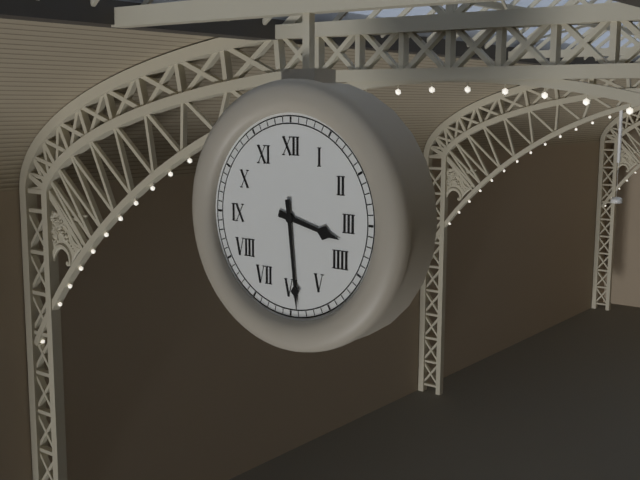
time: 3:29
